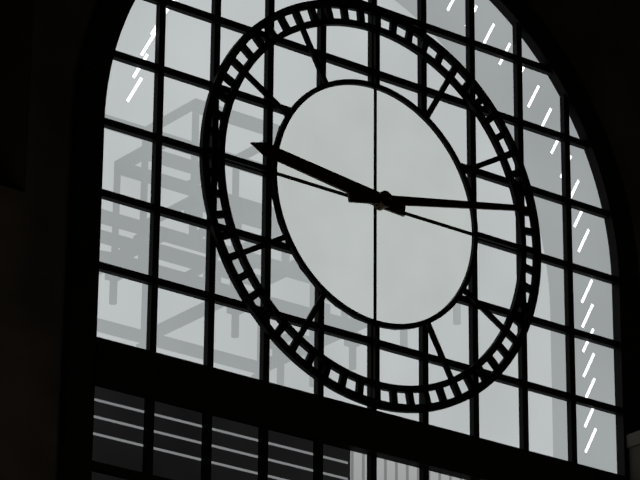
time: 9:13
